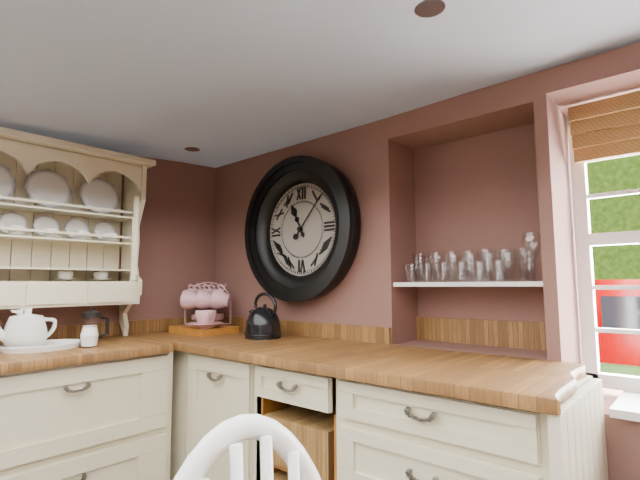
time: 11:07
